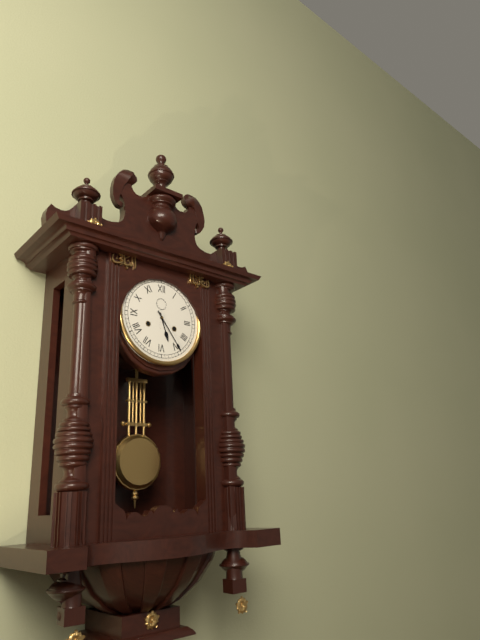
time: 5:24
